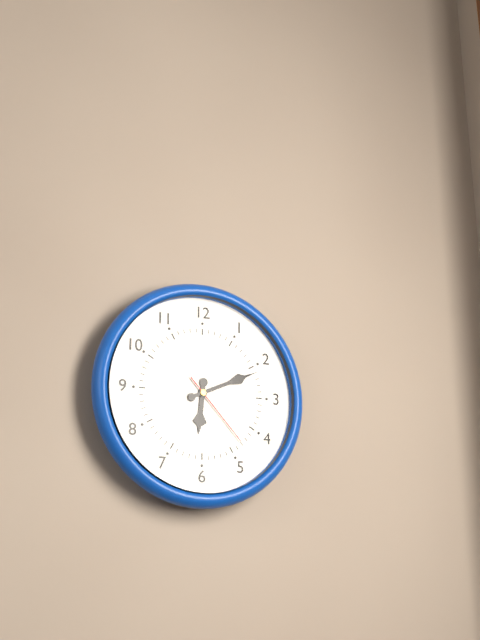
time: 6:11:23
